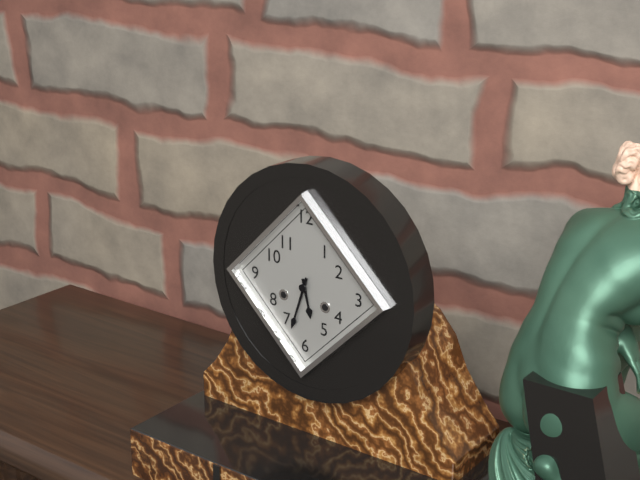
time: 5:33
